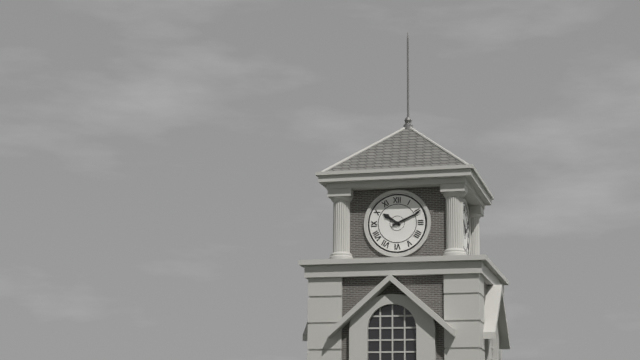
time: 10:11
